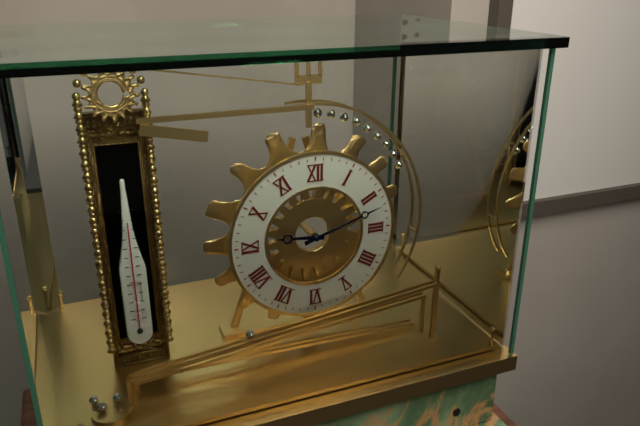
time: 9:12
